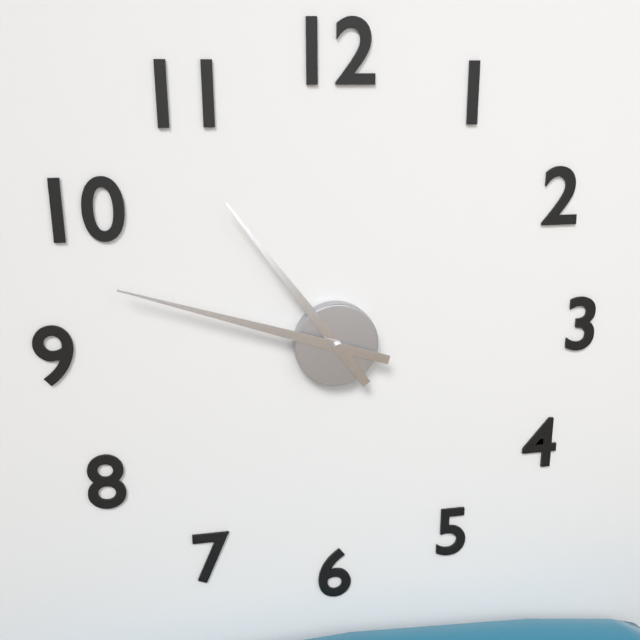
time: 10:48
